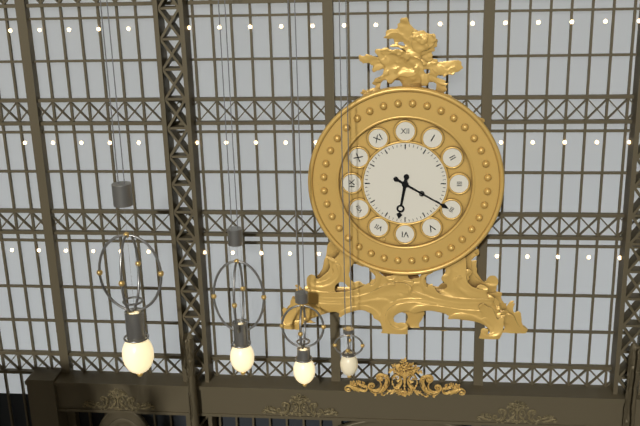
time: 6:20
